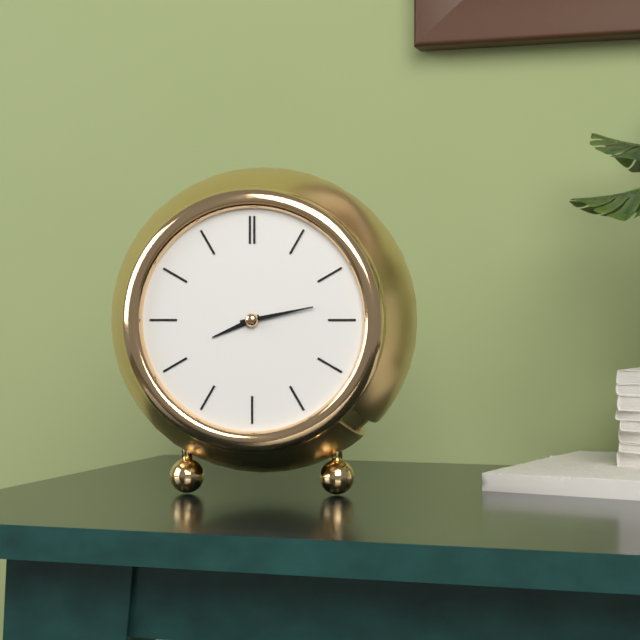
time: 8:13
